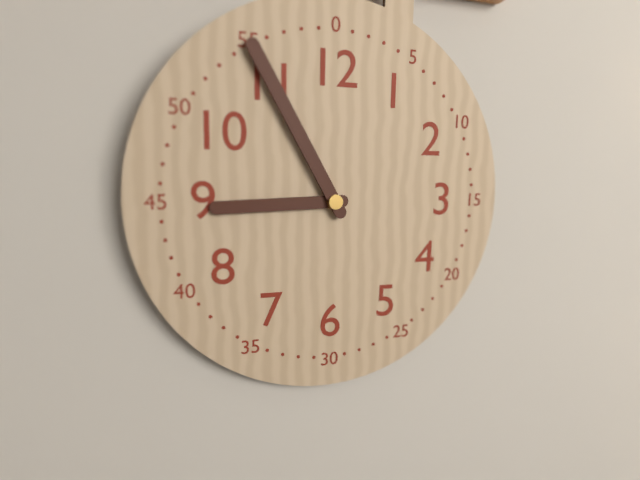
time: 8:55
